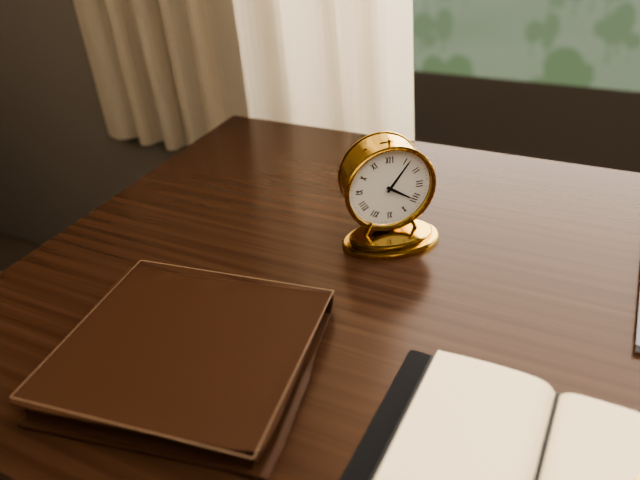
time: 4:06
